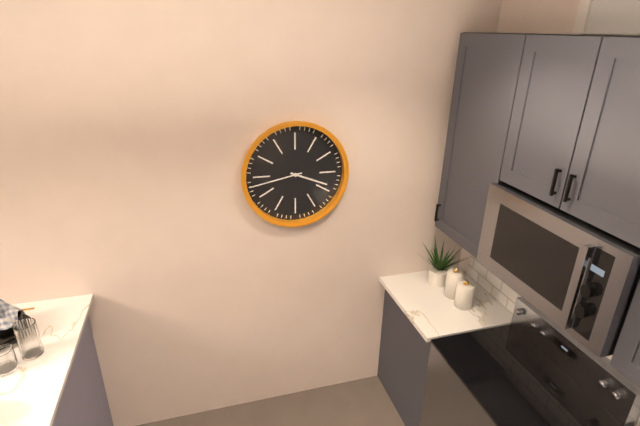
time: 3:43
